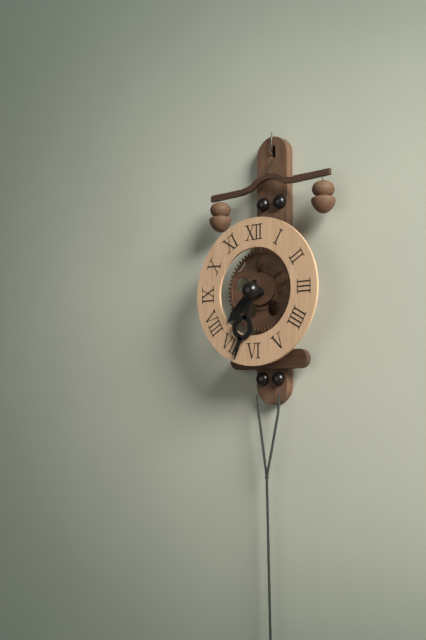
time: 7:33
